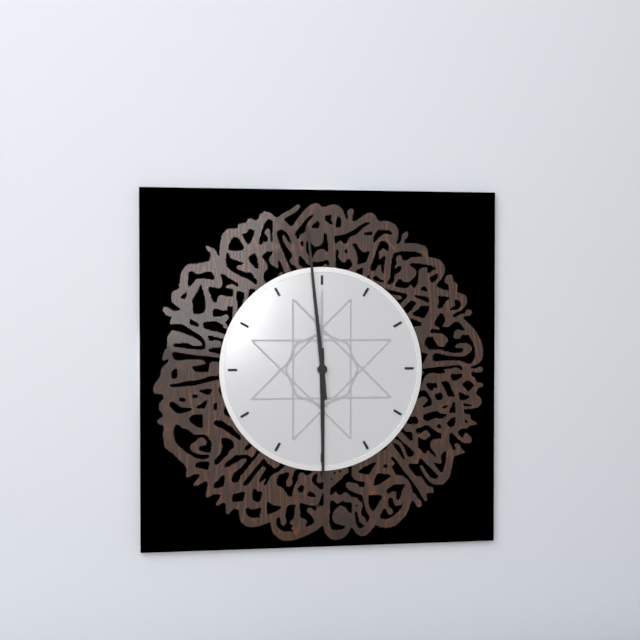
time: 5:59
